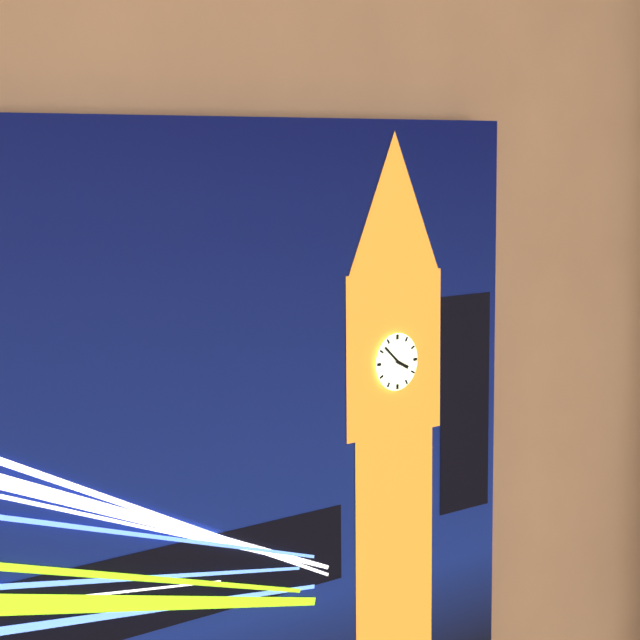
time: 3:52
